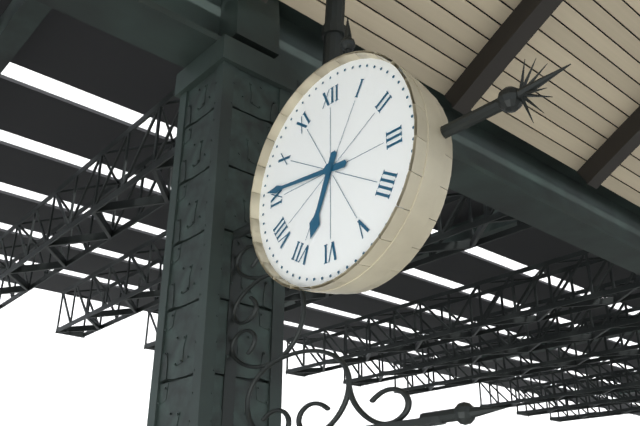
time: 6:46
